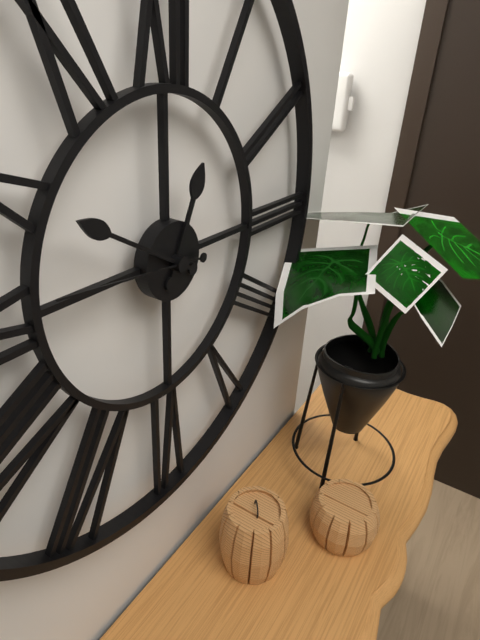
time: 12:50:46
